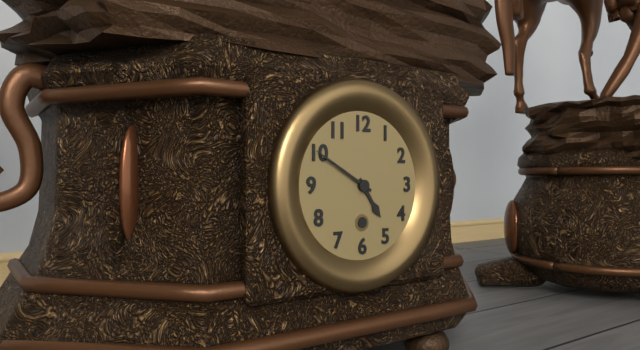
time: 4:50
